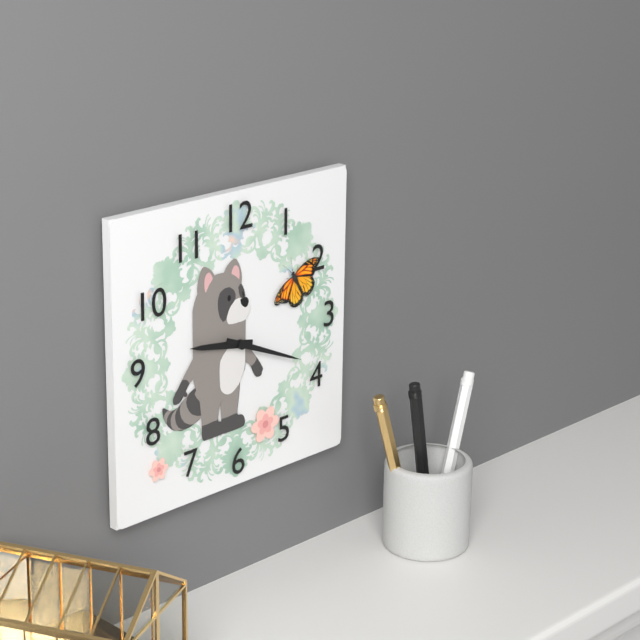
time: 9:19
